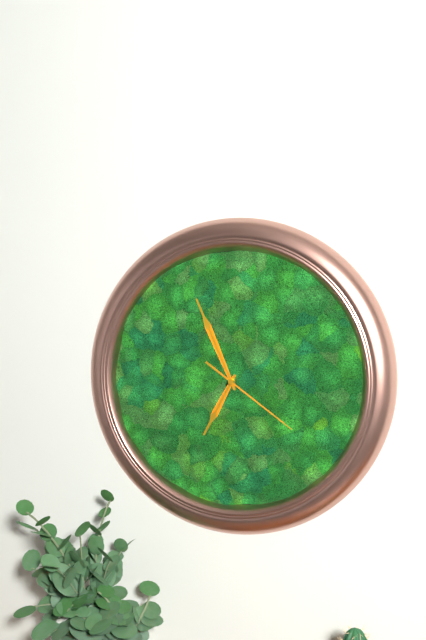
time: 6:56:21
